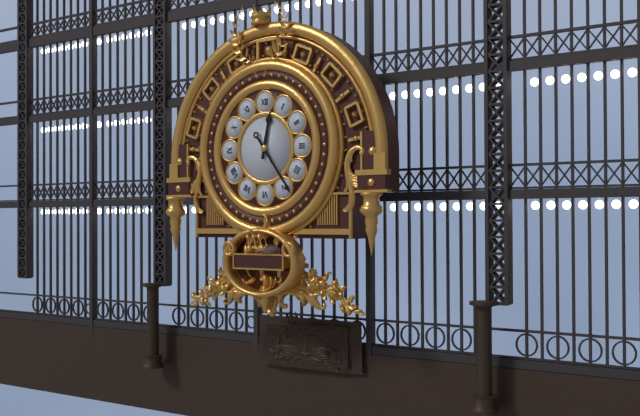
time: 12:24
